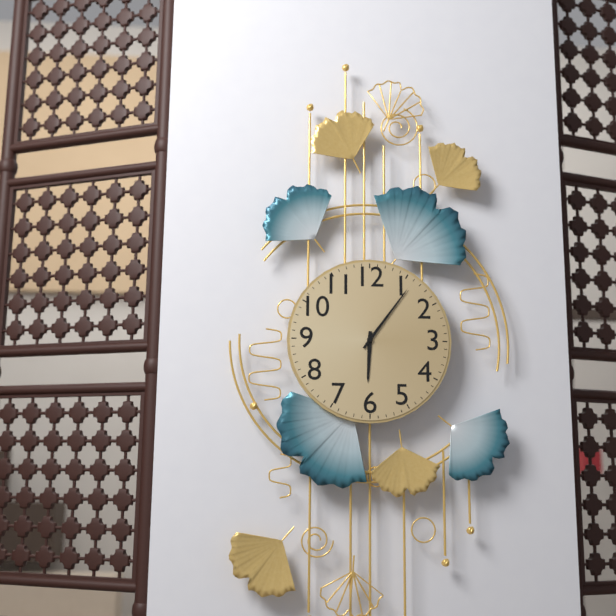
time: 6:06
